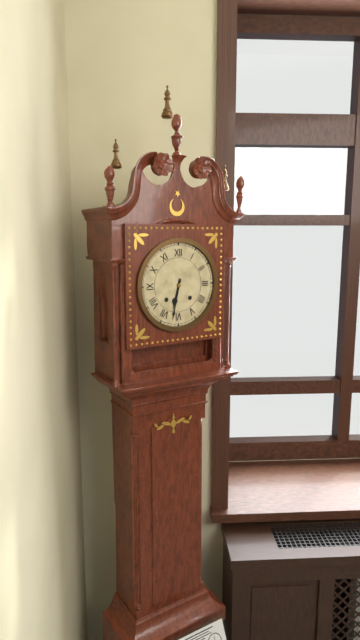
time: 6:32
